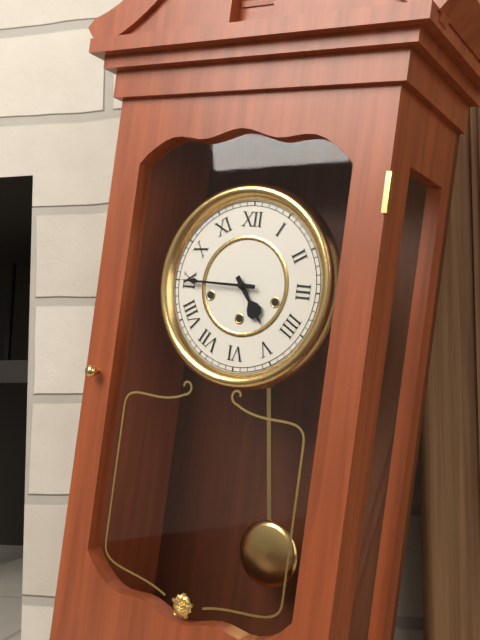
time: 4:45
